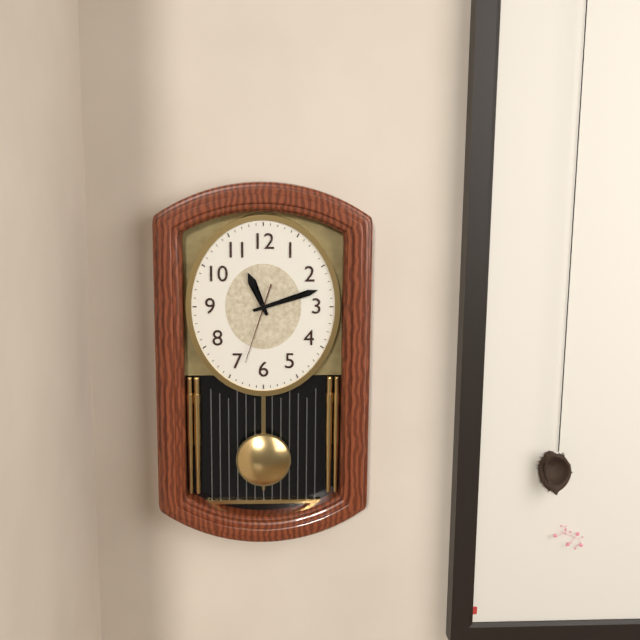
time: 11:12:33
